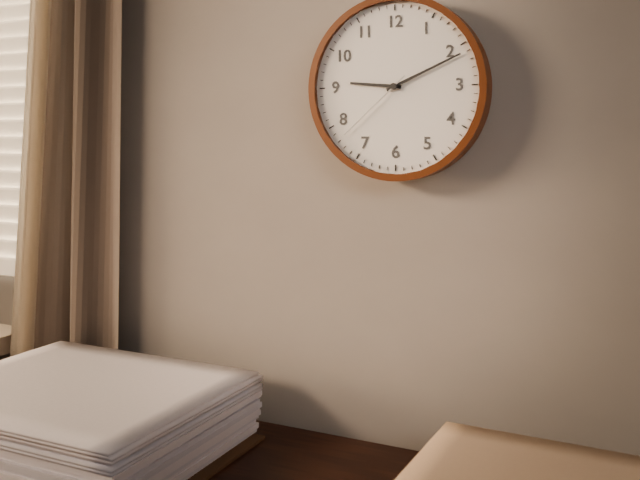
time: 9:11:38
